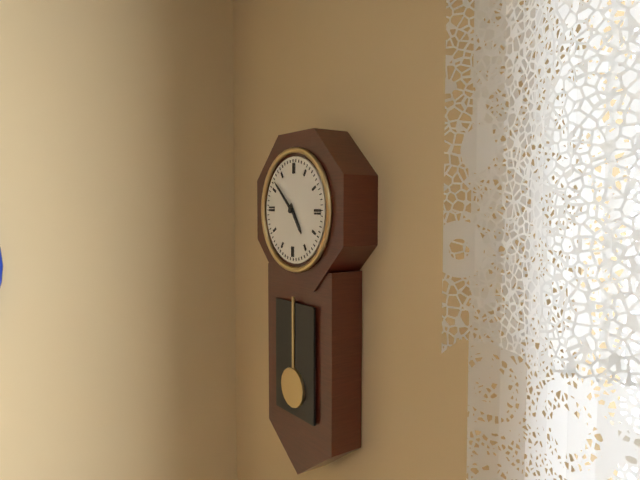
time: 4:52
